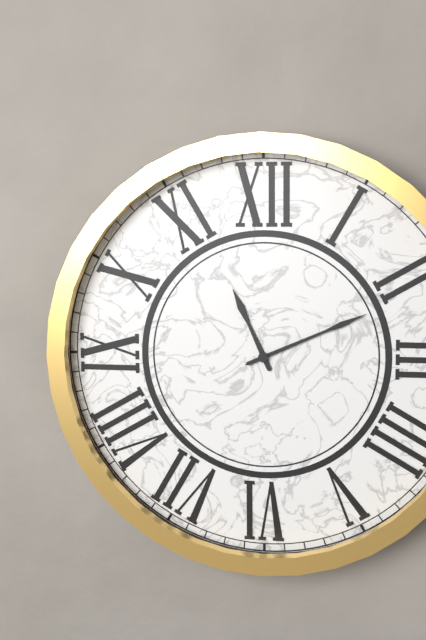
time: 11:11
